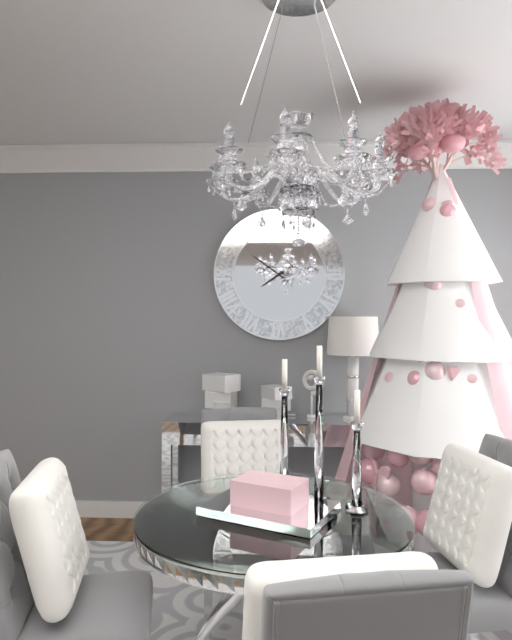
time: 7:51
